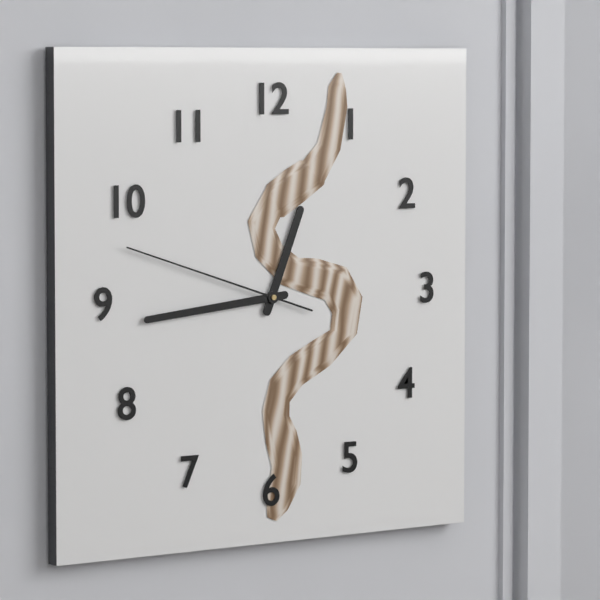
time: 12:44:48
